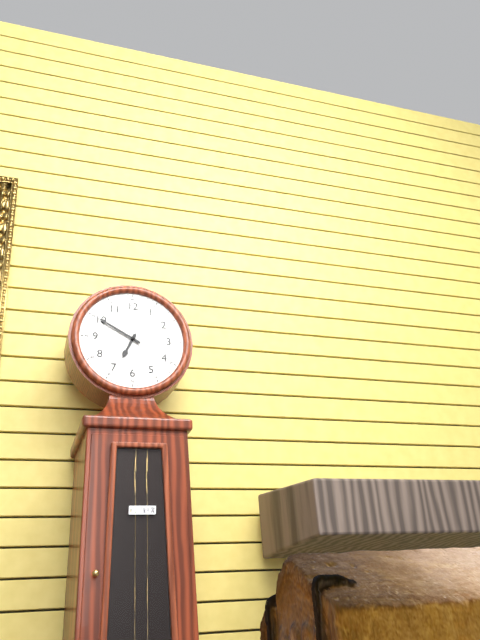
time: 6:50
